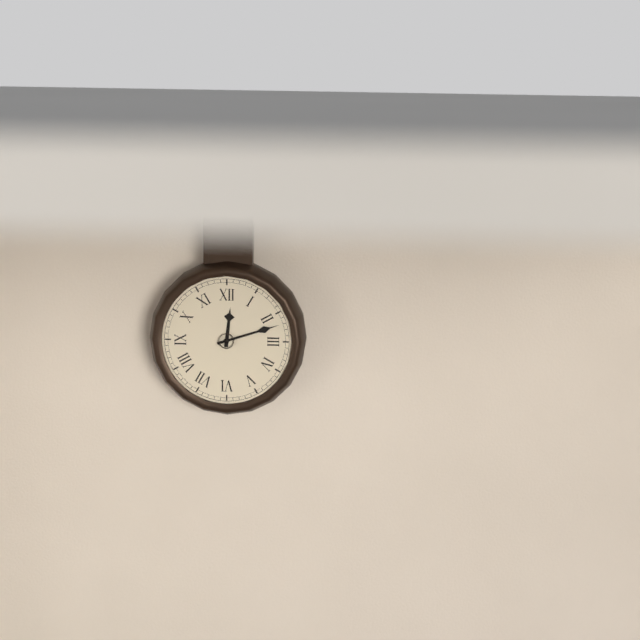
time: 12:12
